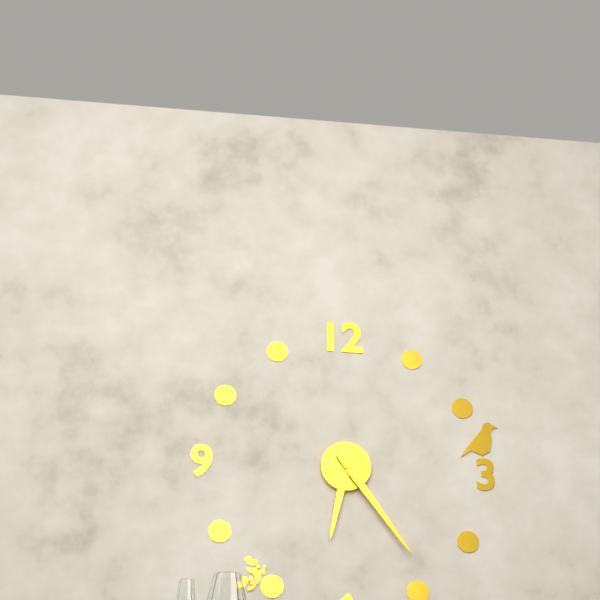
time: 6:24
